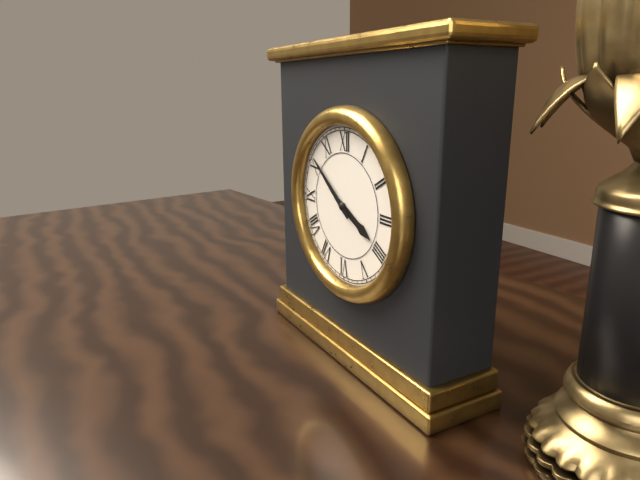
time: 3:51
